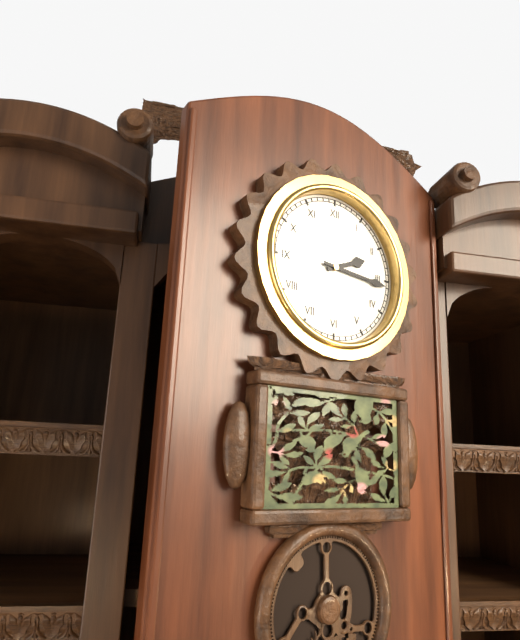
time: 2:16
